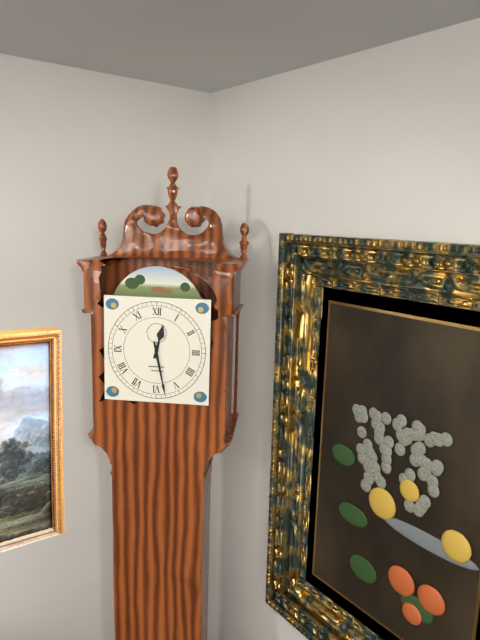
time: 12:28
